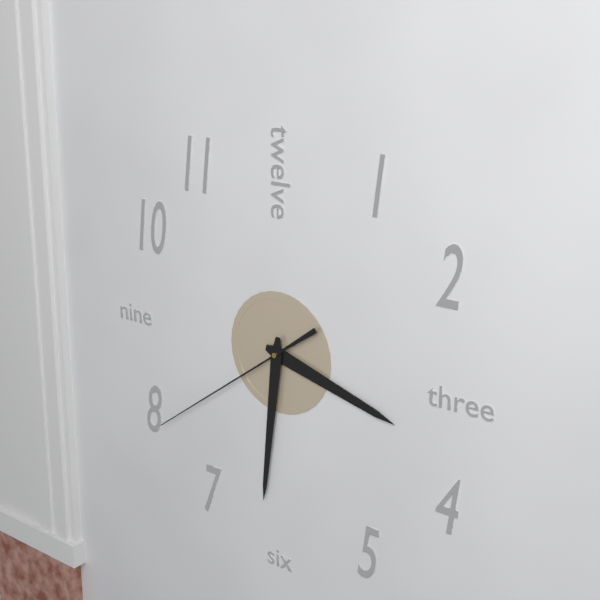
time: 3:31:39
